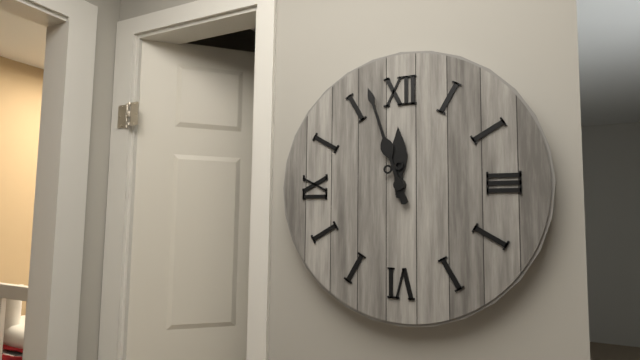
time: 11:57
